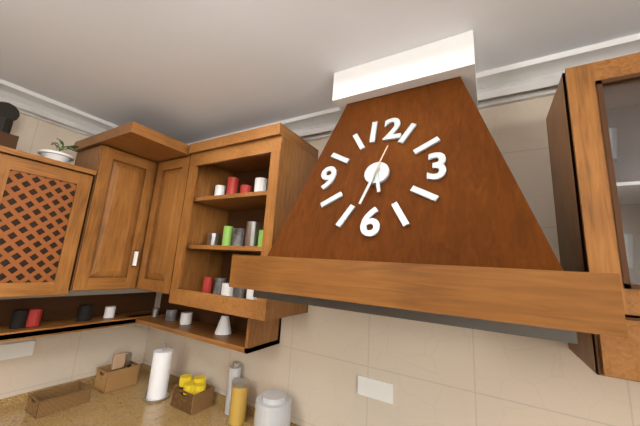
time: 5:33
